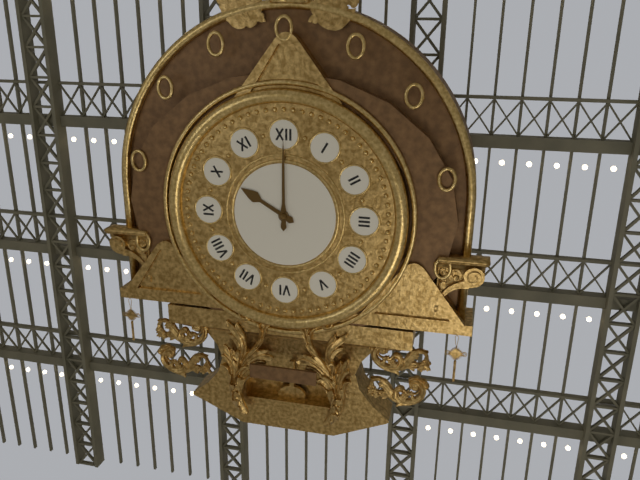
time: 10:00
